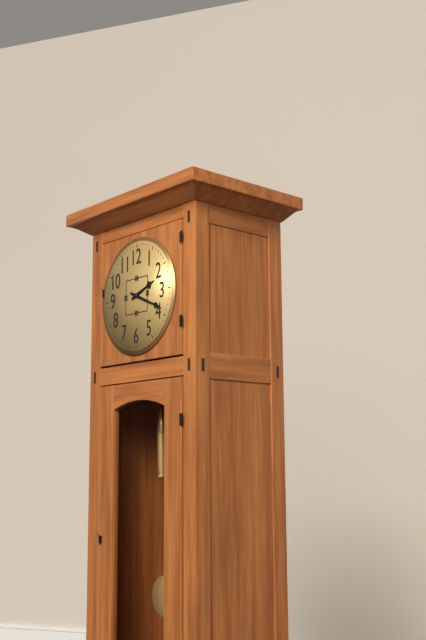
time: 2:19
